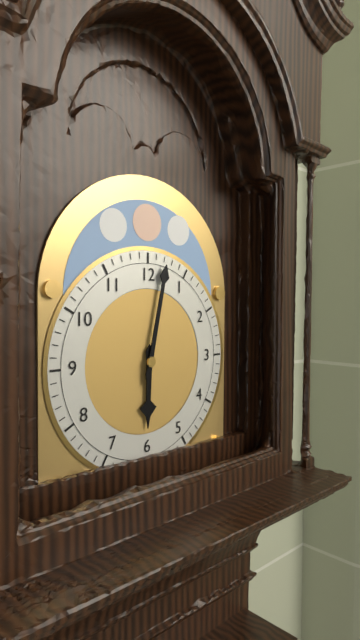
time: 6:02
